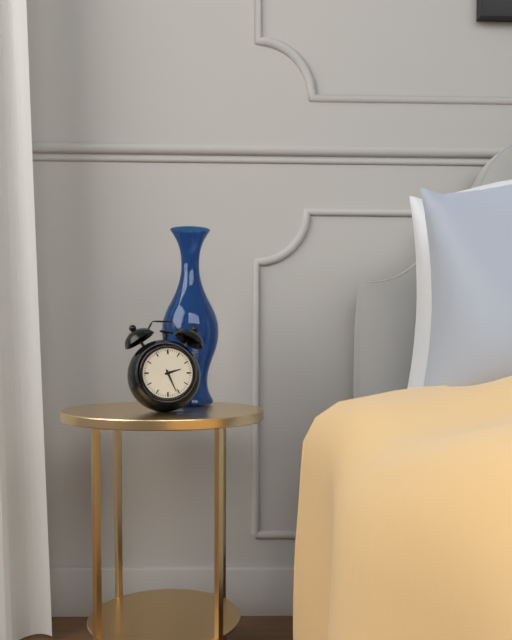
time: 2:26
